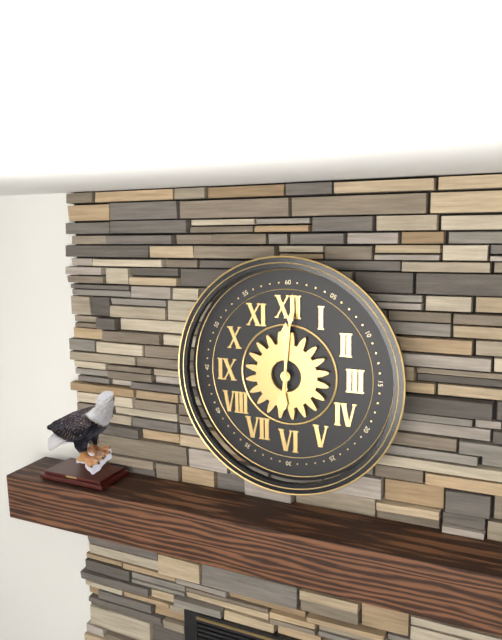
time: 12:01
